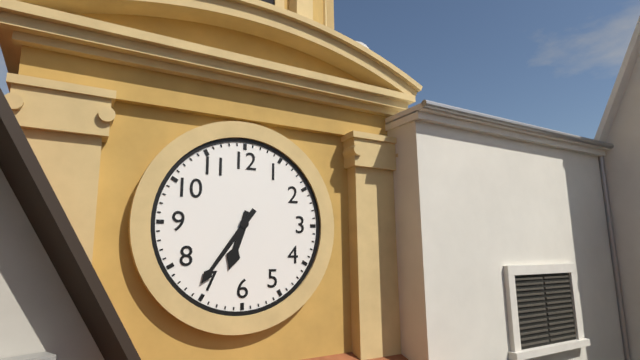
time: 6:36
